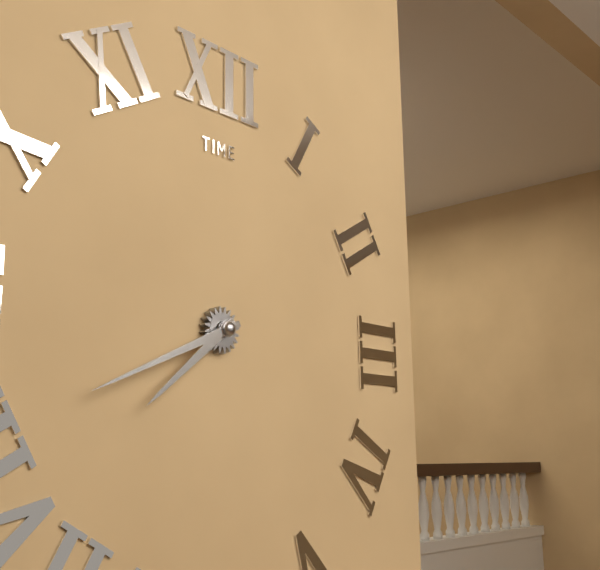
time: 7:41
